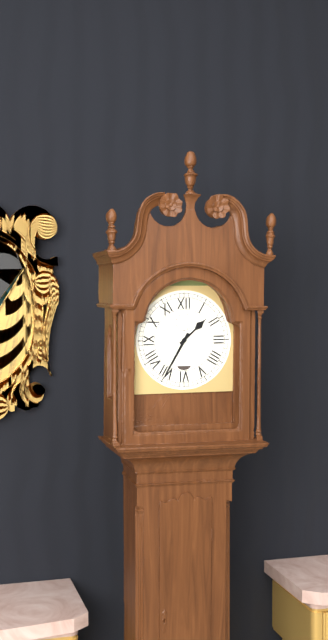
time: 1:35
